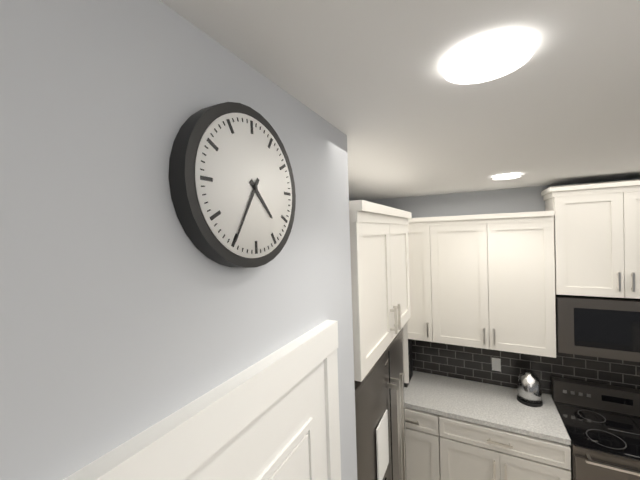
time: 4:35
